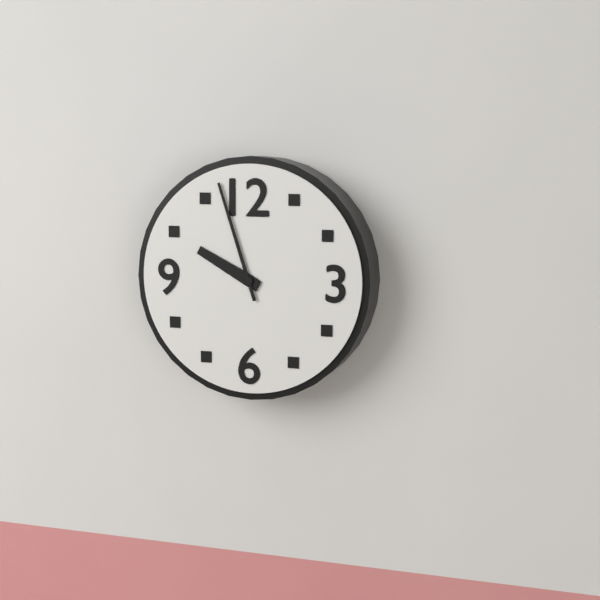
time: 9:57
